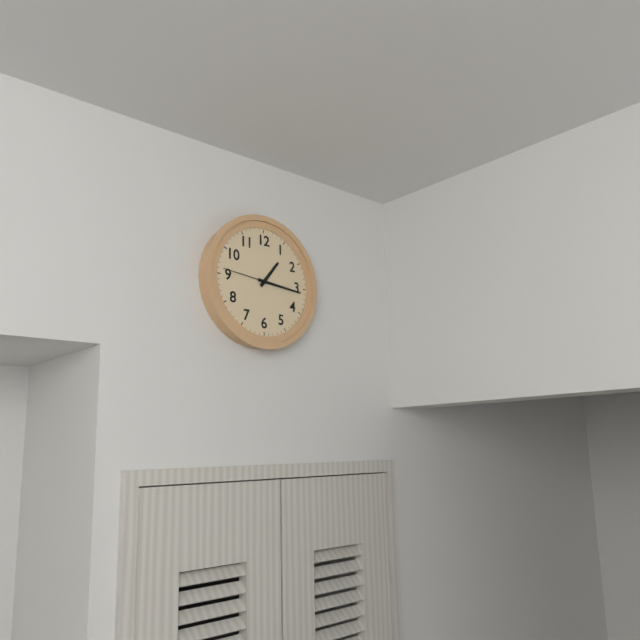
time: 1:16:46
